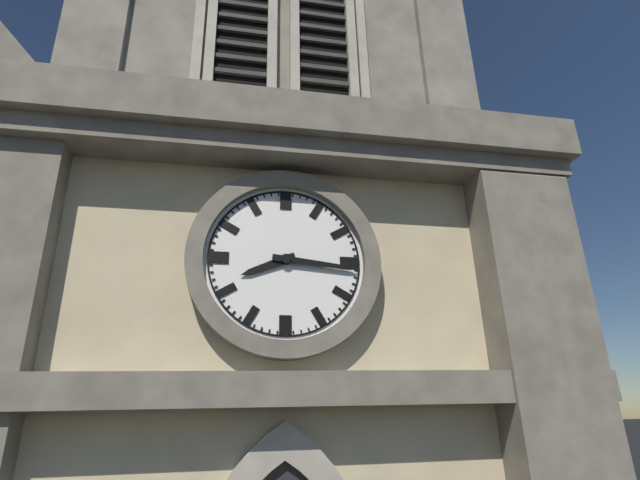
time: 8:16
